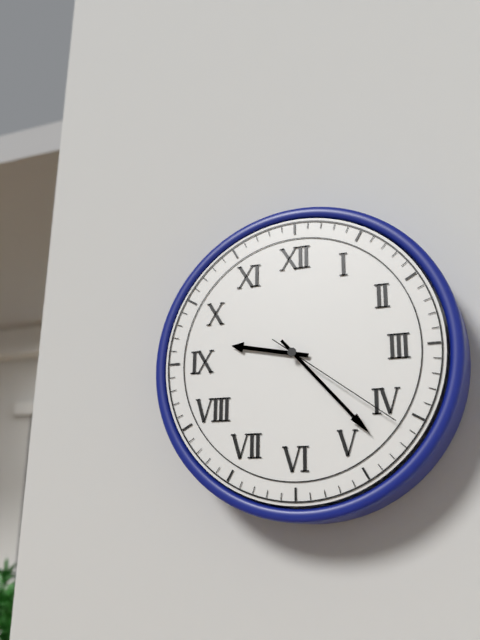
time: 9:23:21
